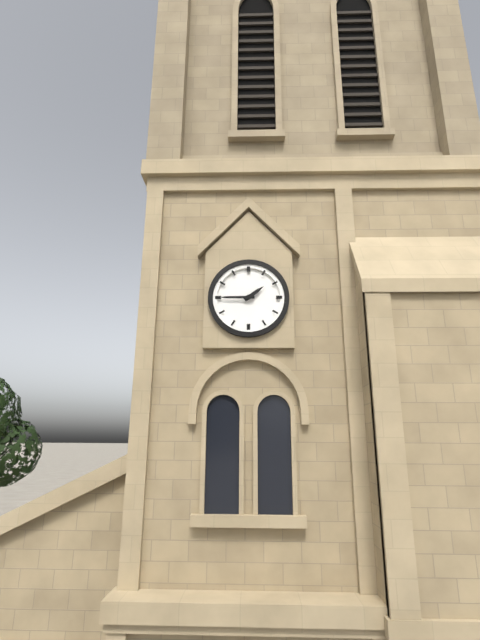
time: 1:45
